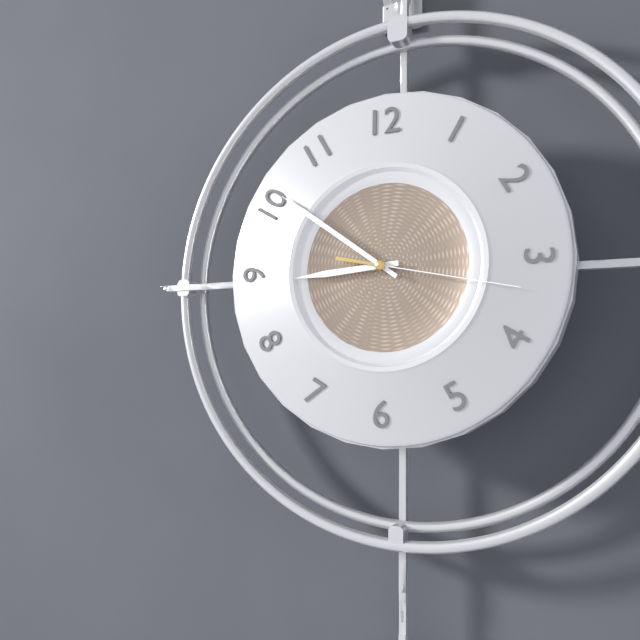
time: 8:51:17
